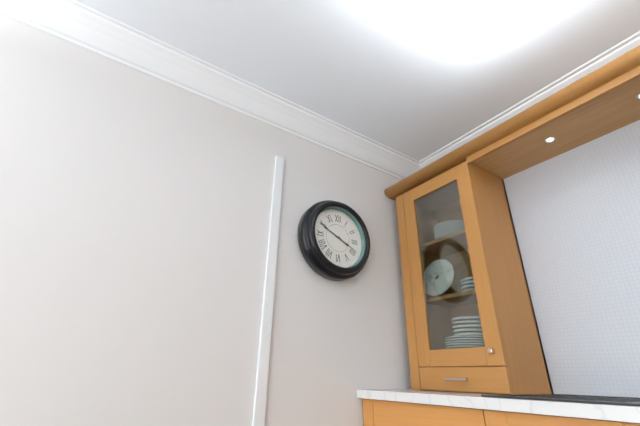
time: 3:49
